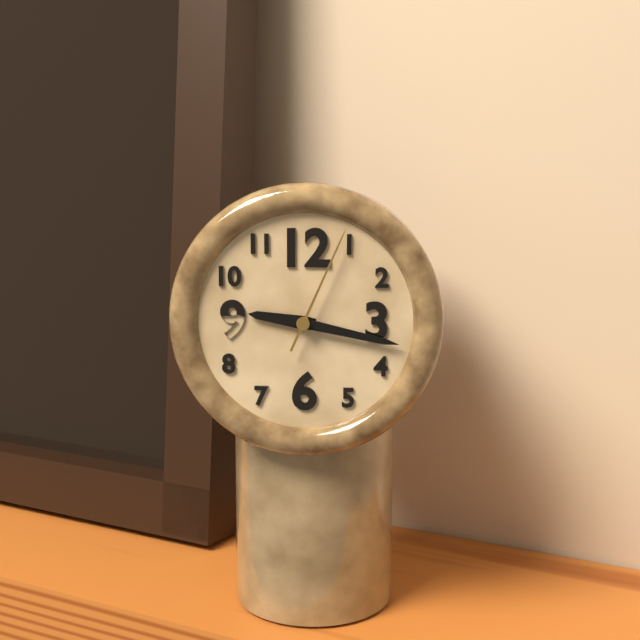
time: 9:17:04
